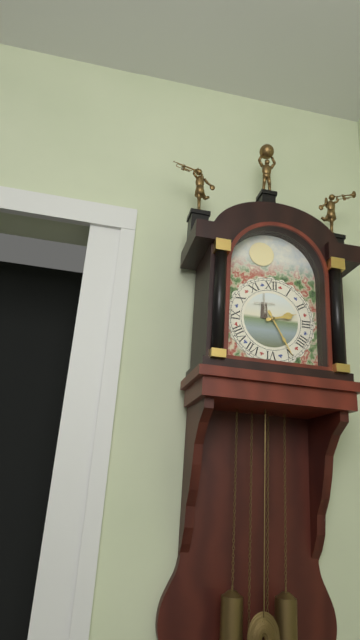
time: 2:25
